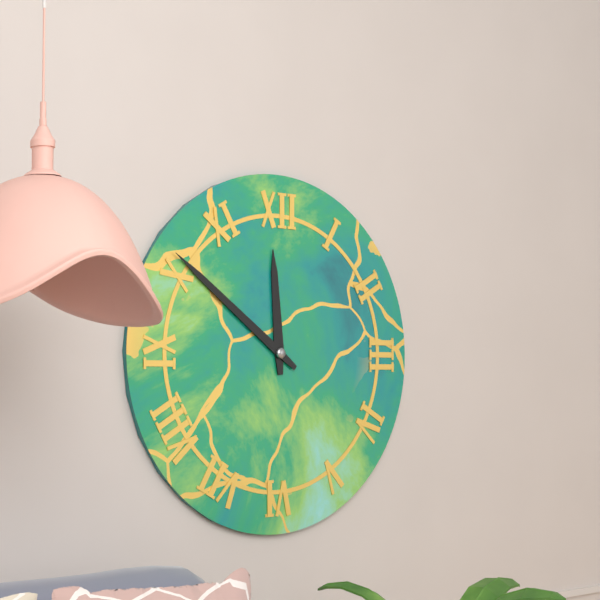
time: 11:51
